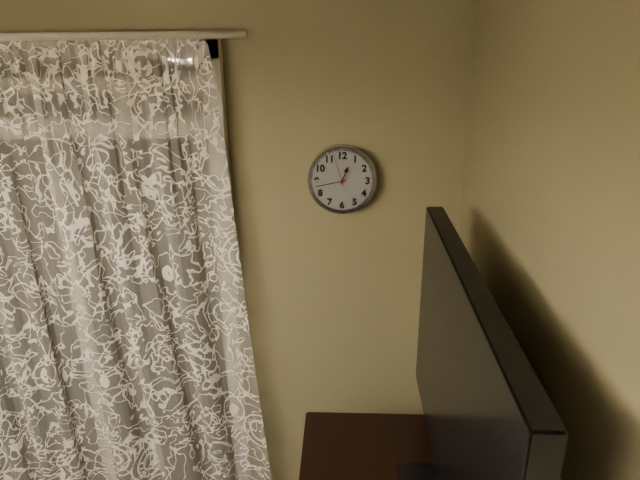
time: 12:43
